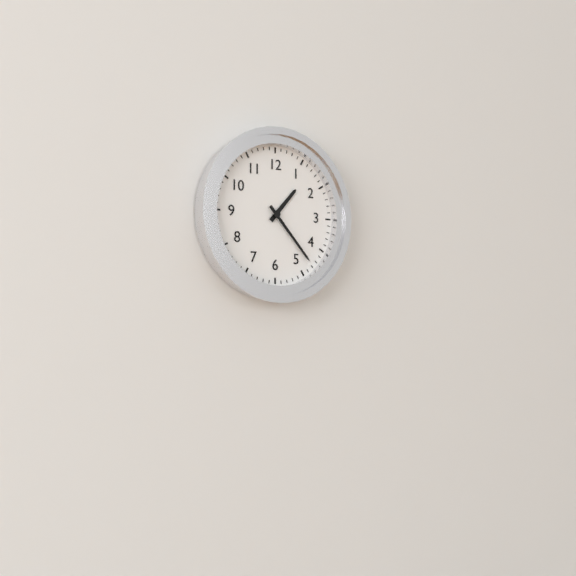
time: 1:23
